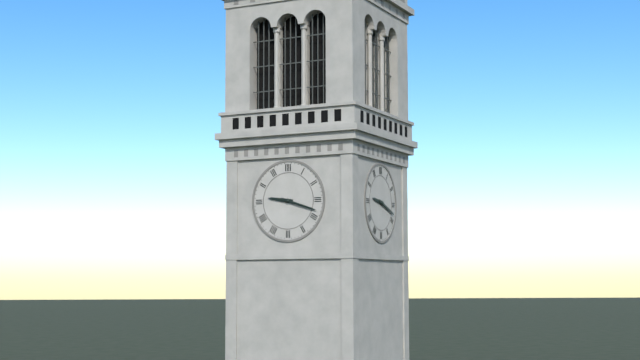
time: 9:18
